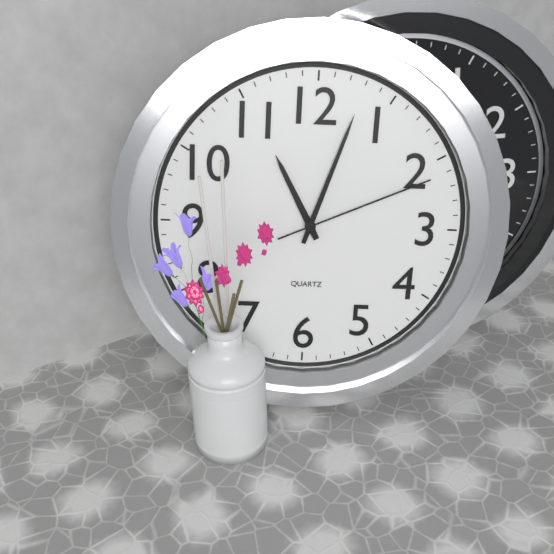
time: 11:03:11
